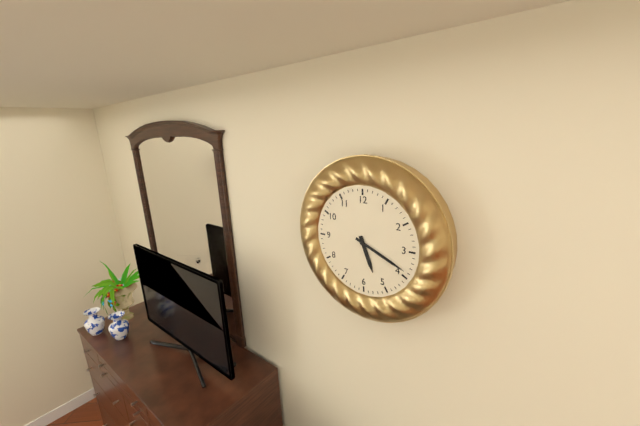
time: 5:19
